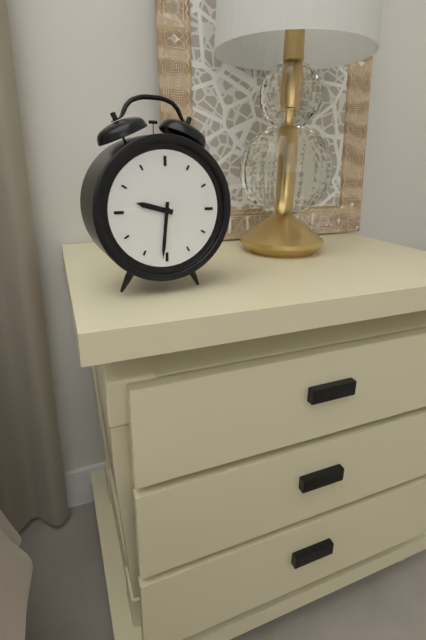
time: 9:31
